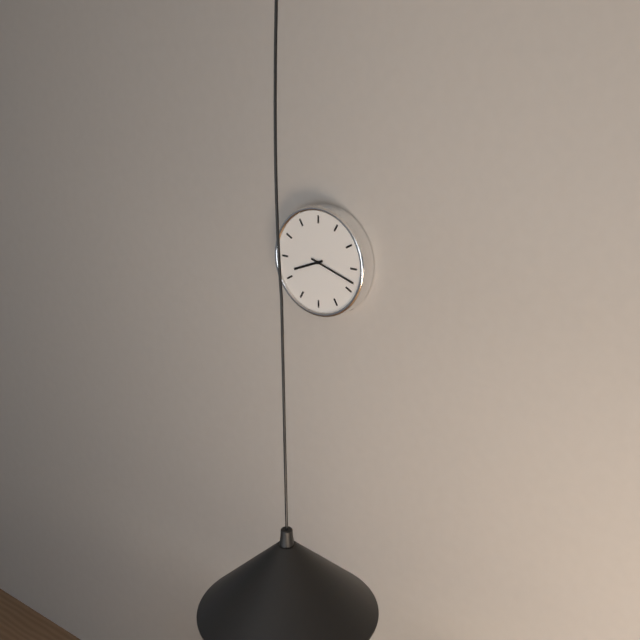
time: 8:18
